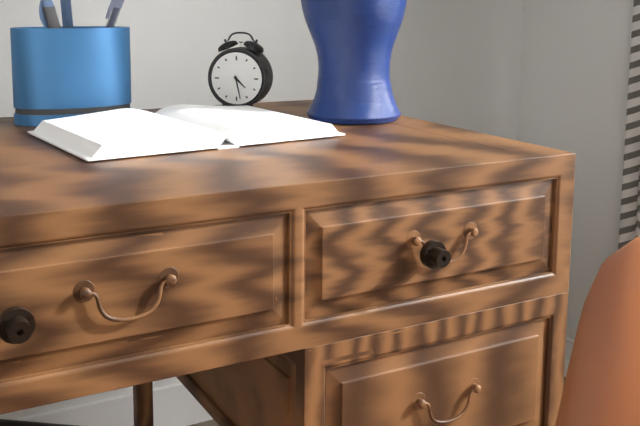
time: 4:28
